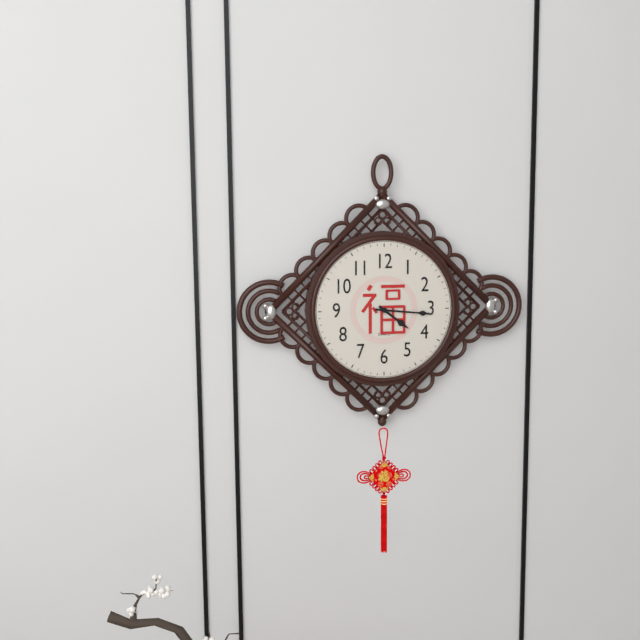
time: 4:16
